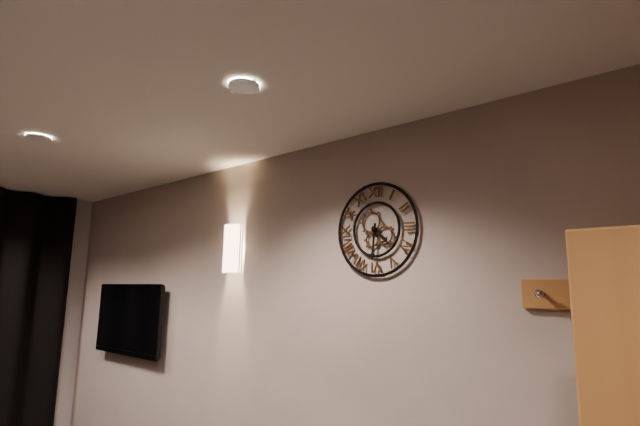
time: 4:31
